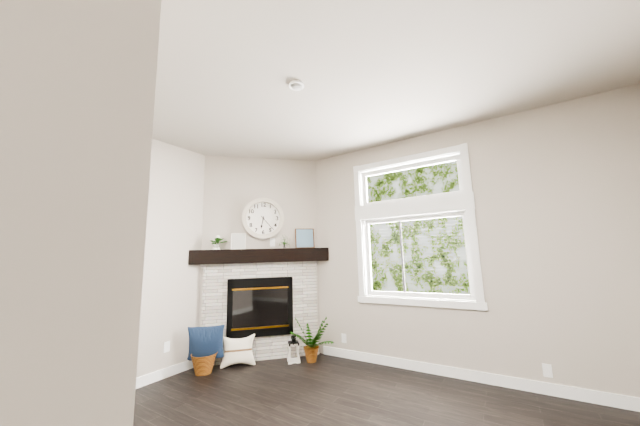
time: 6:23
